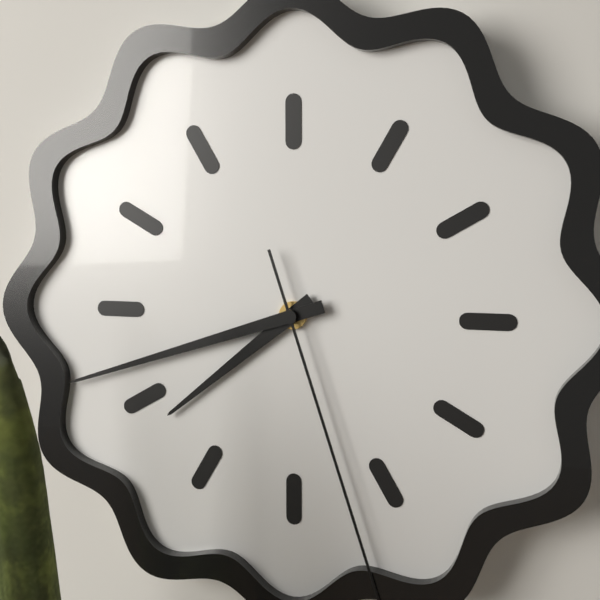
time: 7:42
